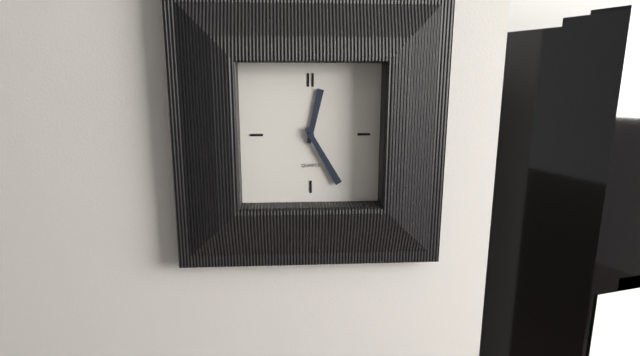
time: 12:25
